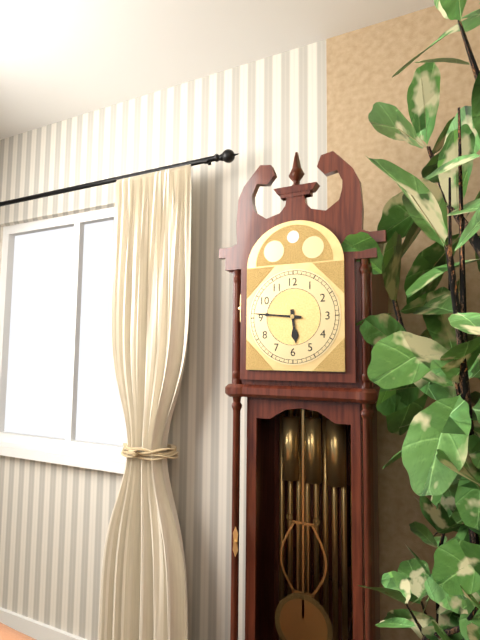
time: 5:46
